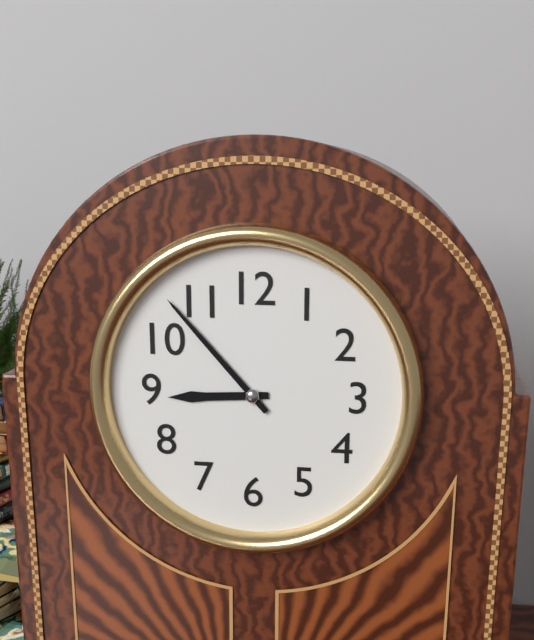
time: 8:53
